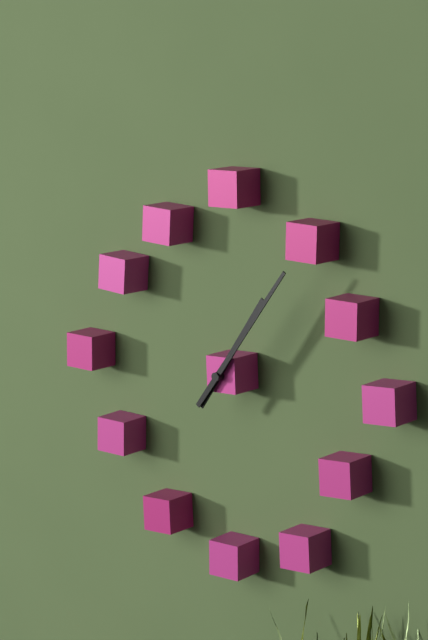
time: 1:06
